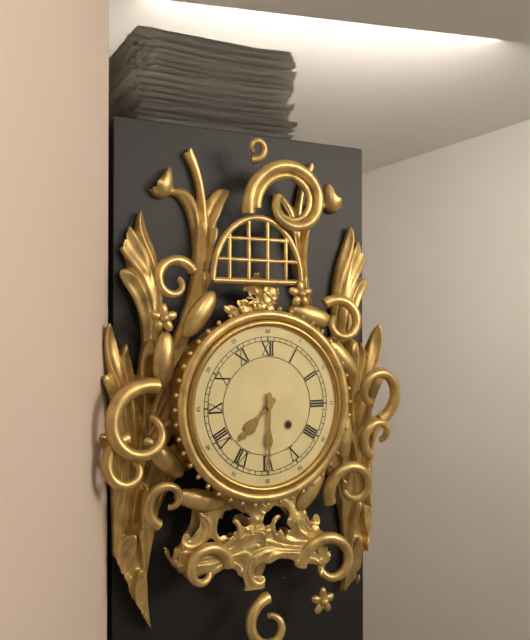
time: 7:30
